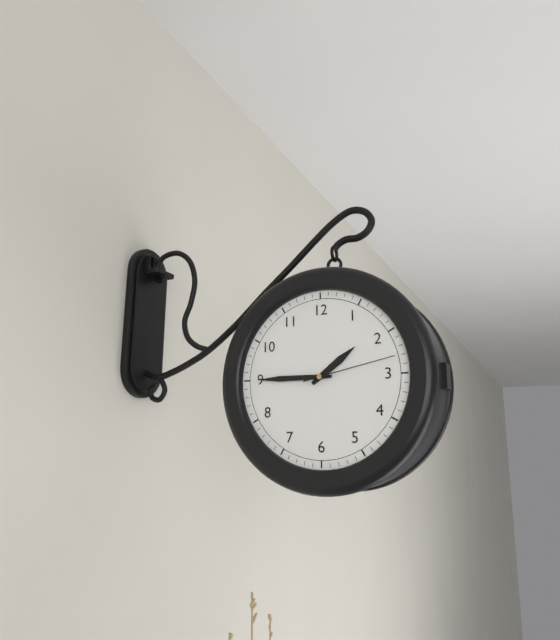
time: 1:45:13
